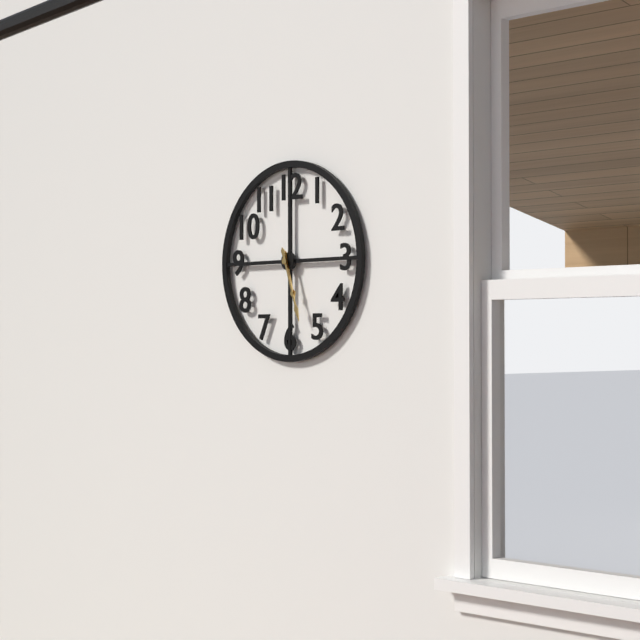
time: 5:27
